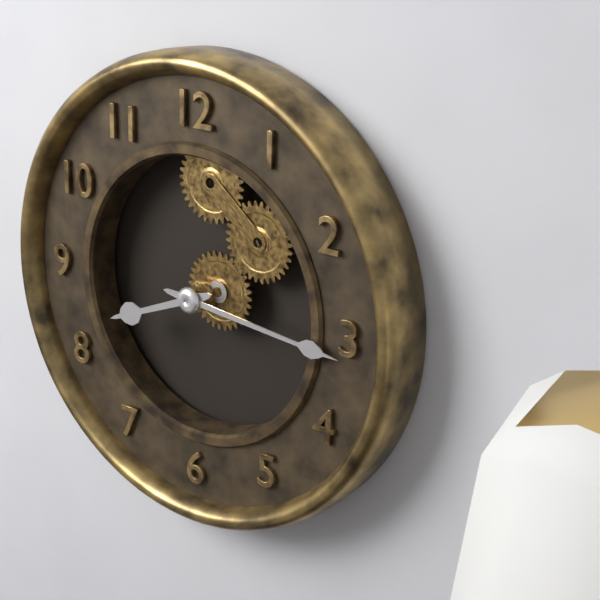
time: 8:16
